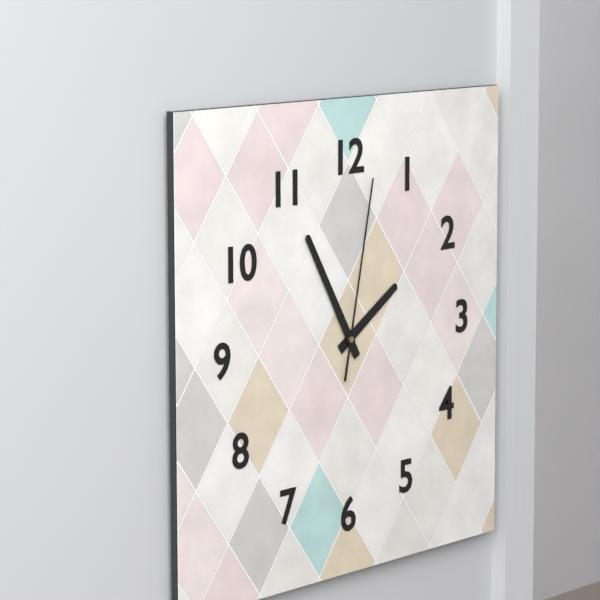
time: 1:55:02
